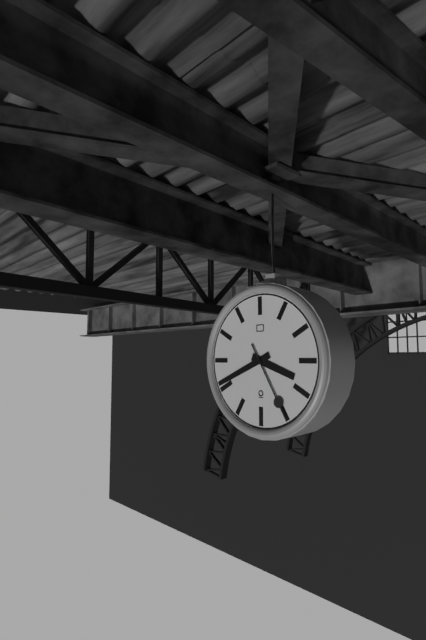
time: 3:41:25
